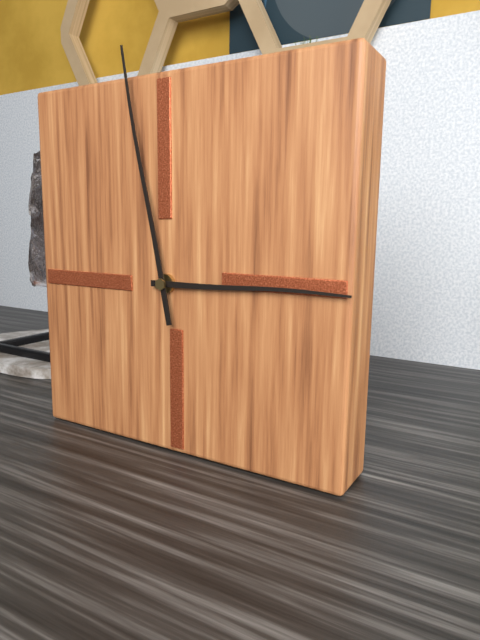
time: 2:58
